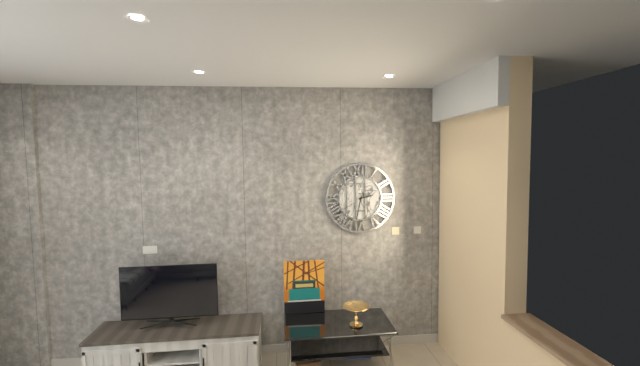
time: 2:32
